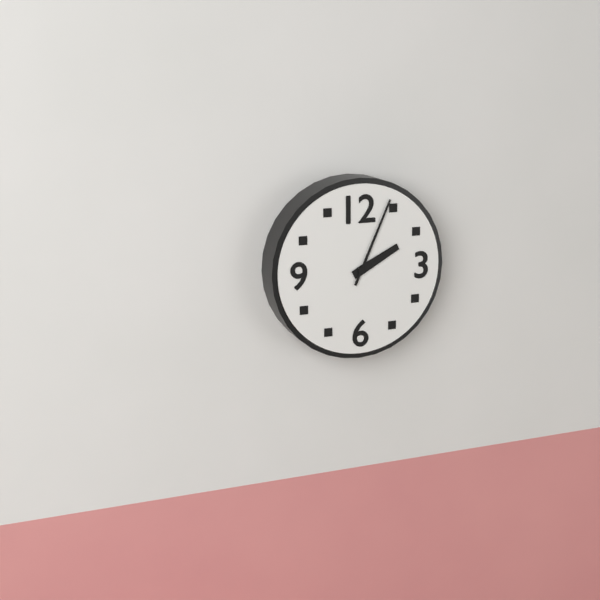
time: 2:04
